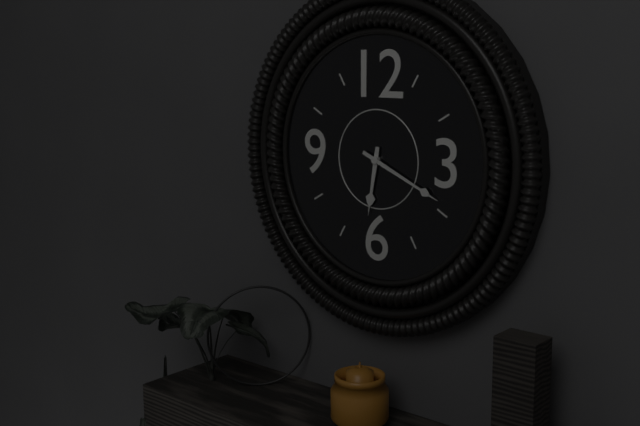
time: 6:19
